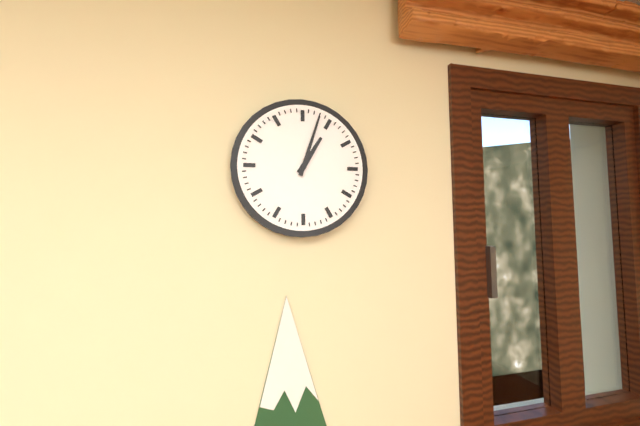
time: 1:03
